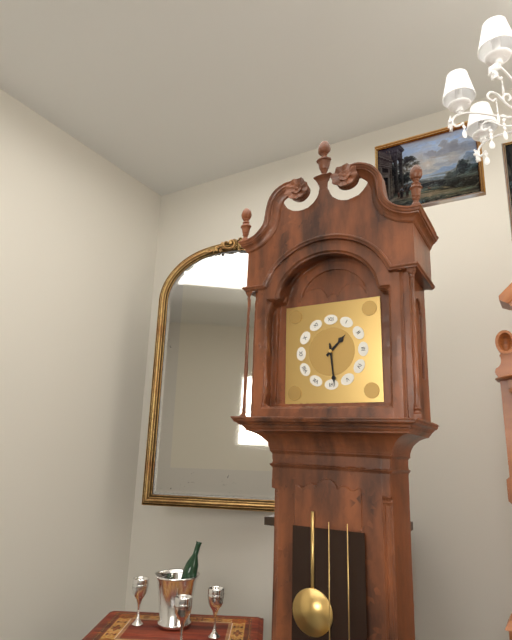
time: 1:29
